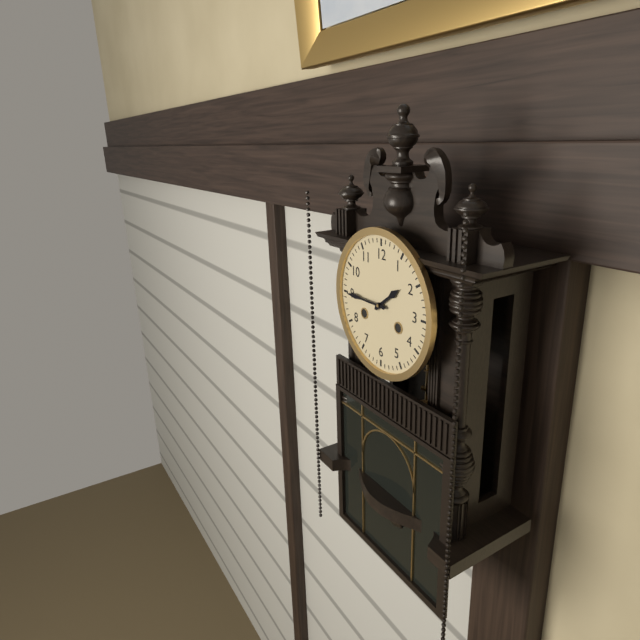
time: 1:45
